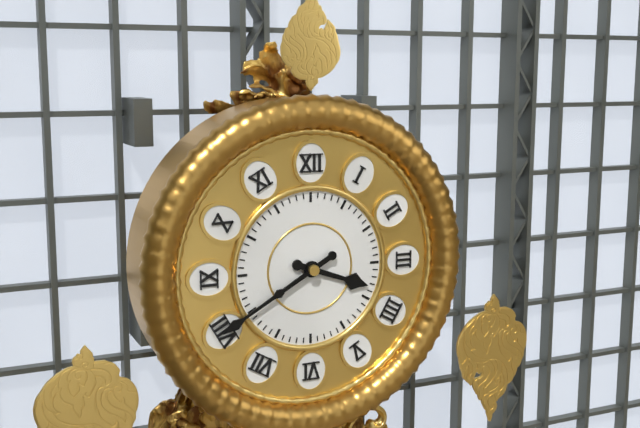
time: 3:40
